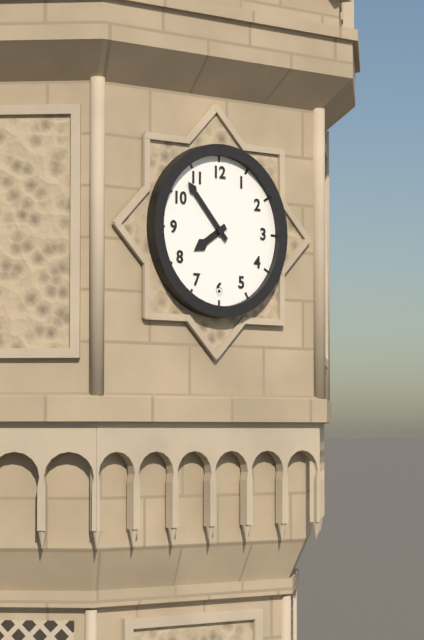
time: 7:53
